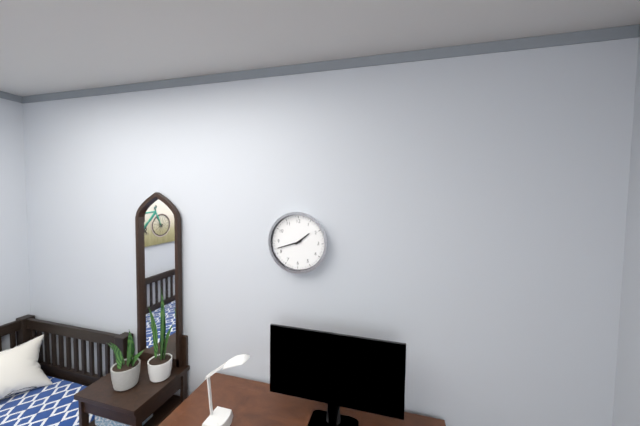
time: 1:42
